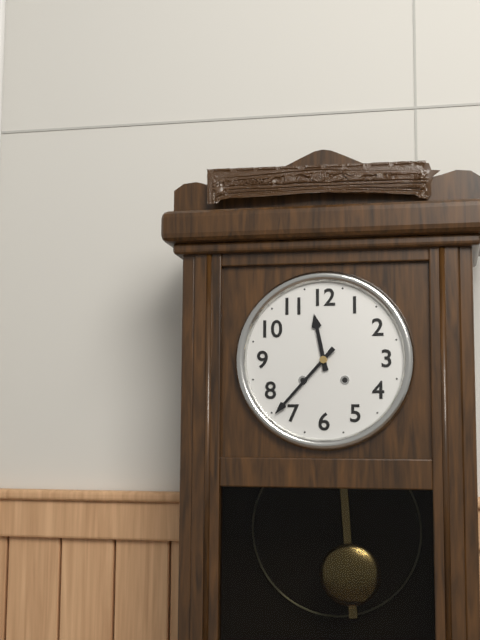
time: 11:37
